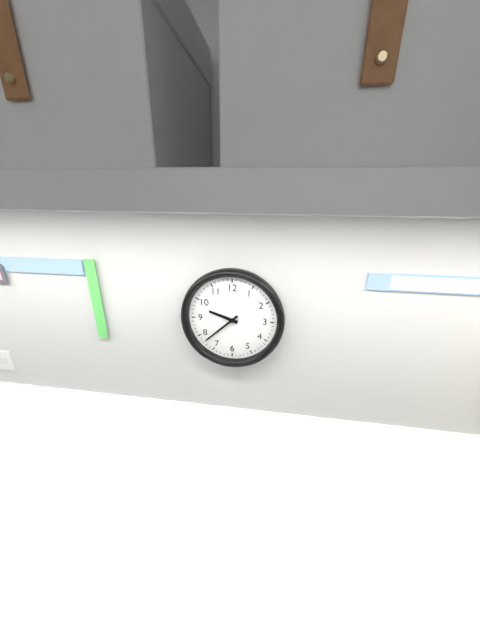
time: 9:38
